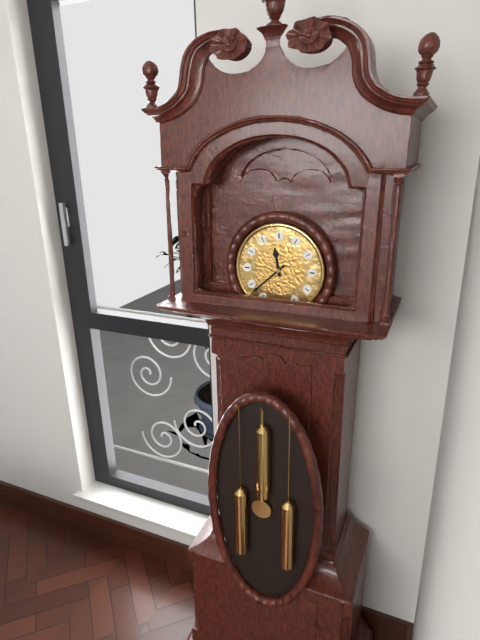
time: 11:38
